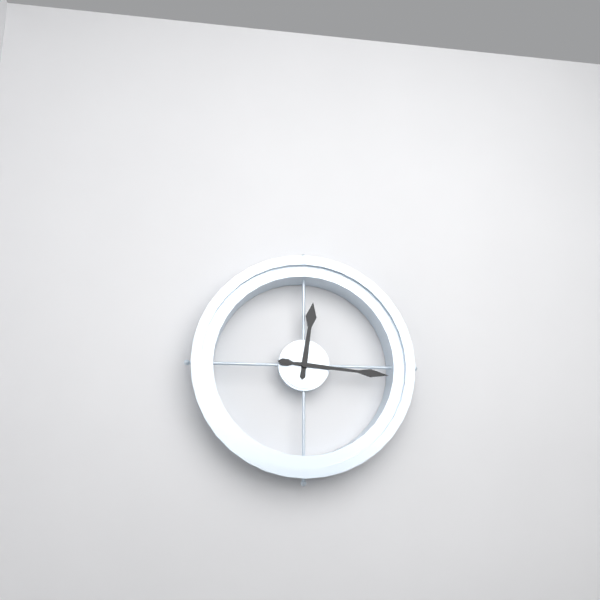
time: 12:16
